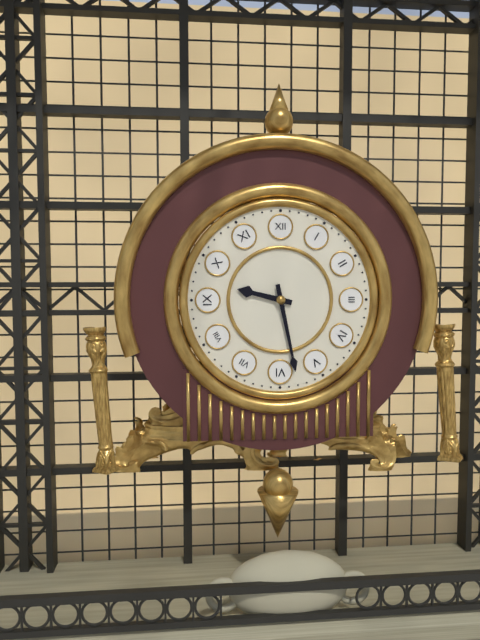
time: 9:28
